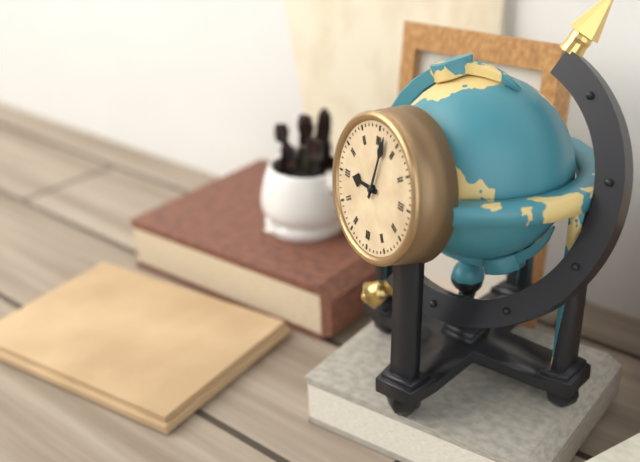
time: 9:02
